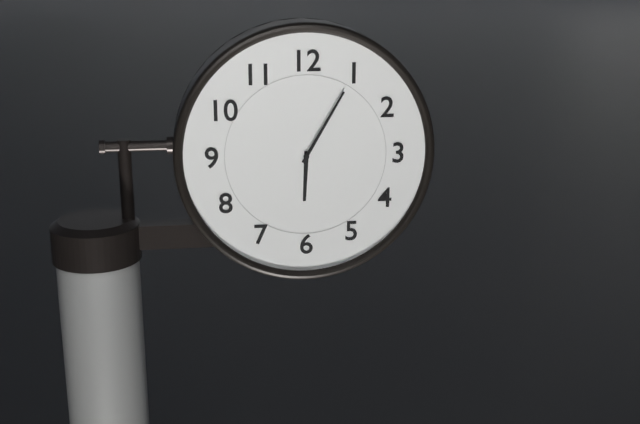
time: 6:05
